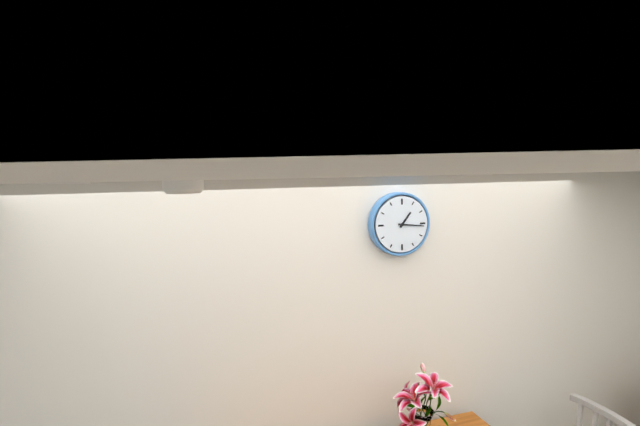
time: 1:16
